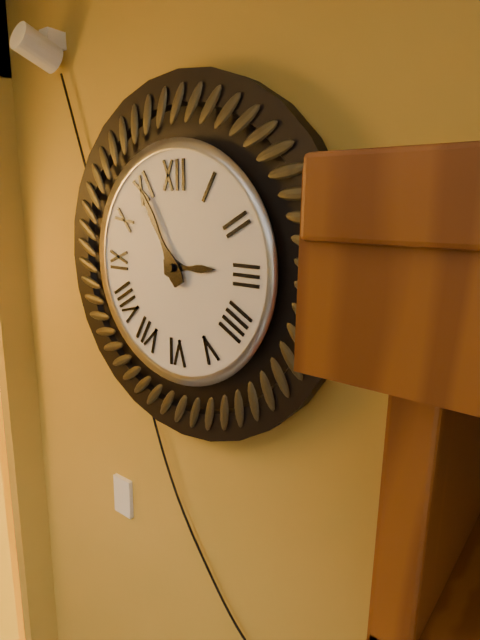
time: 2:55
